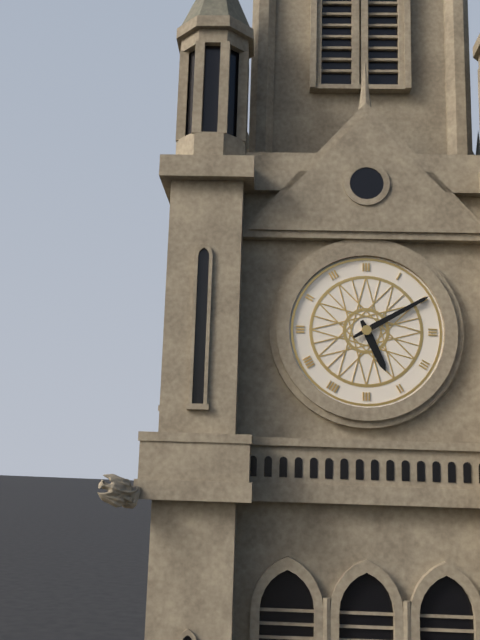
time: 5:10
